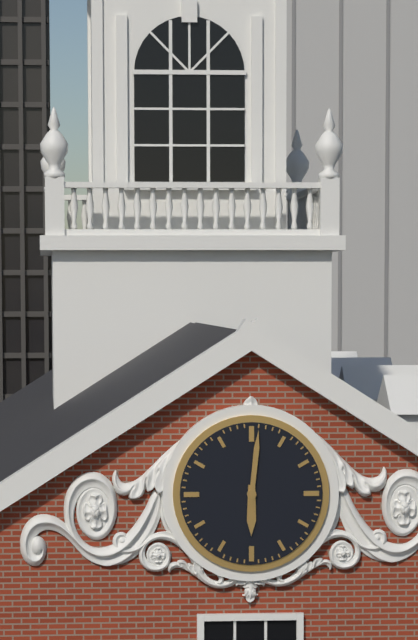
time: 6:01
